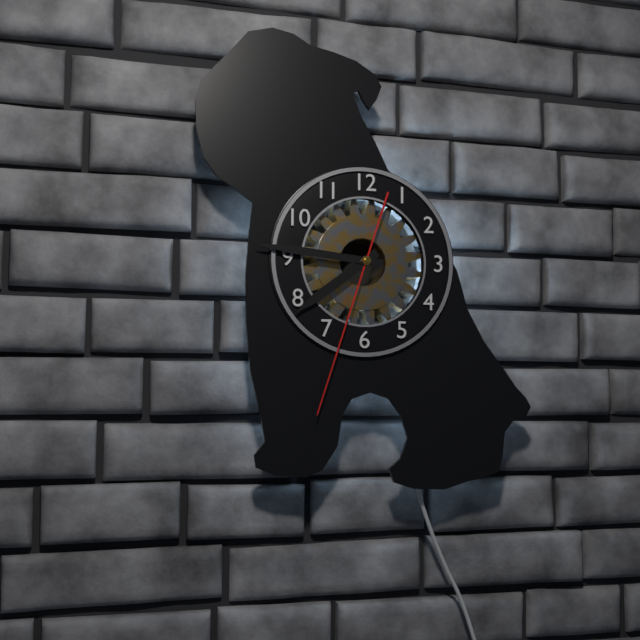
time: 7:46:33
